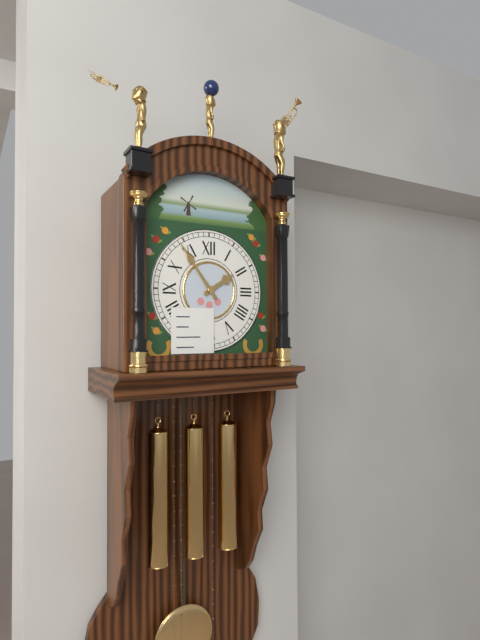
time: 1:54
